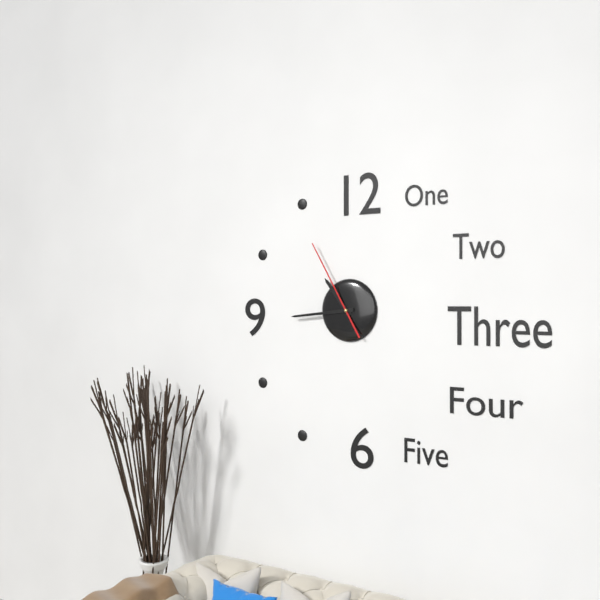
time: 10:44:55
